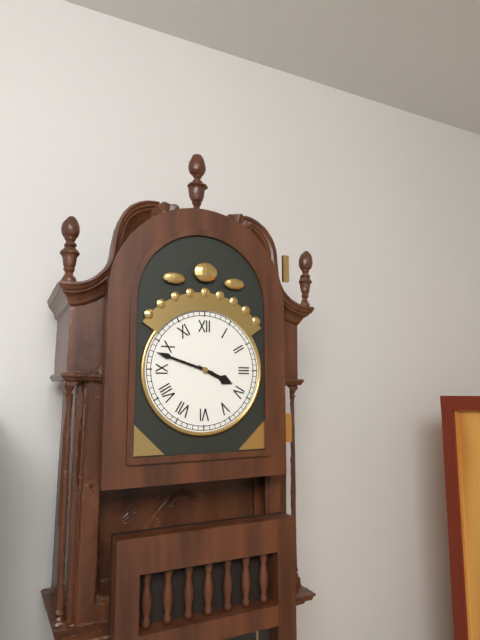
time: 3:48
